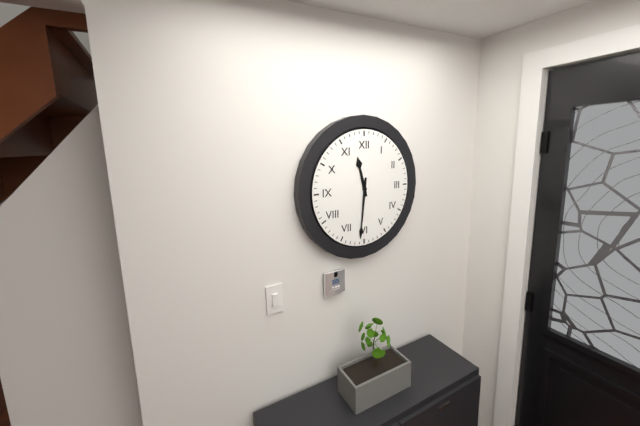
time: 11:31
